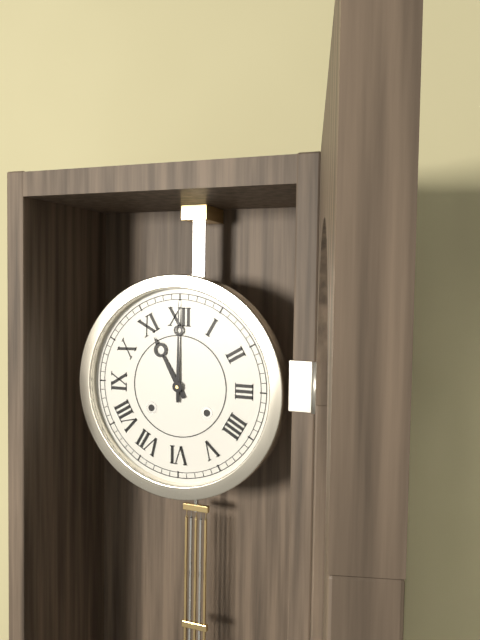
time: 11:00
